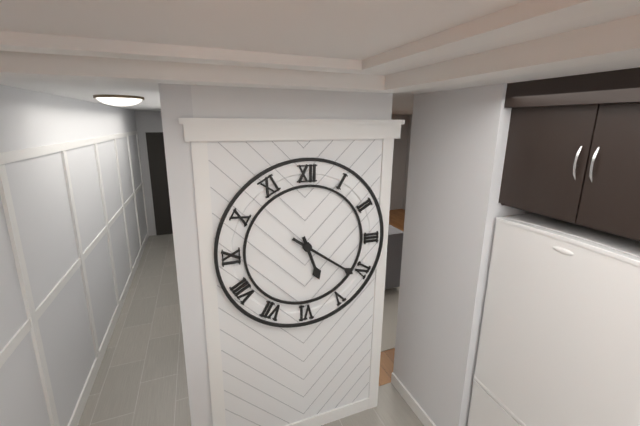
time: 5:21
